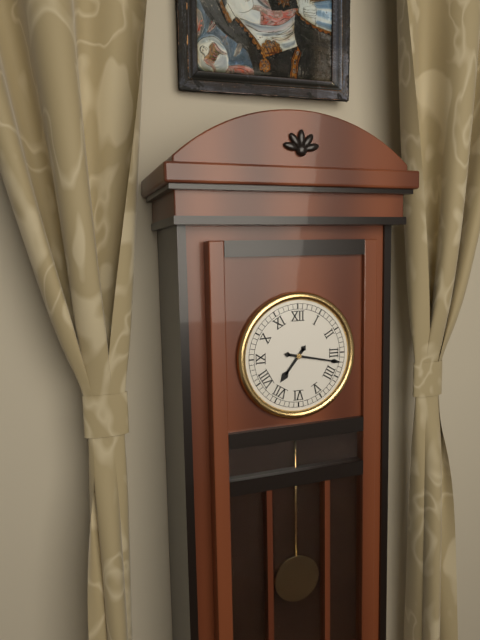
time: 7:17
